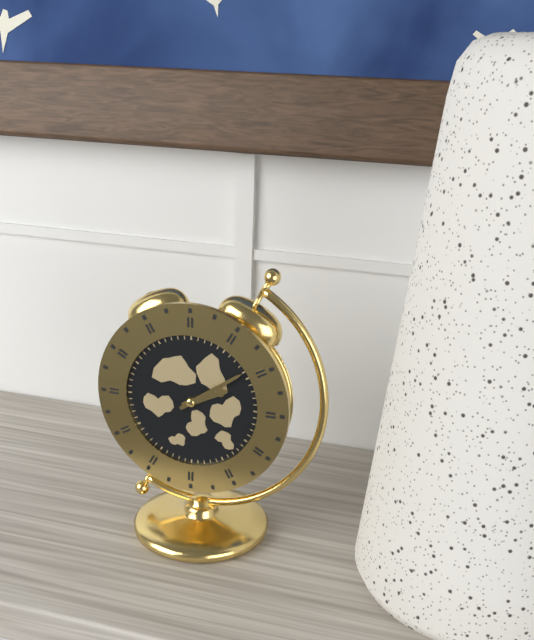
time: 2:09
